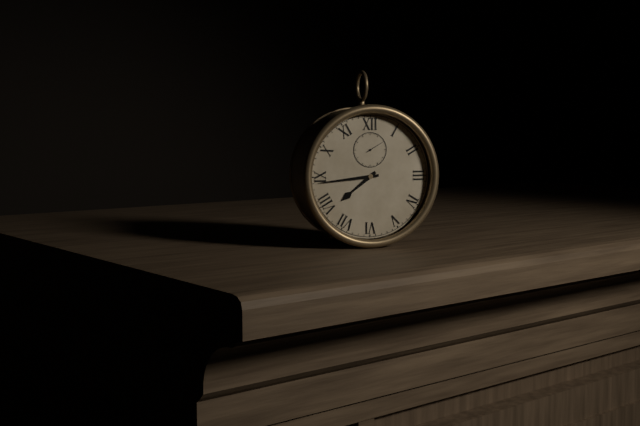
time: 7:44
